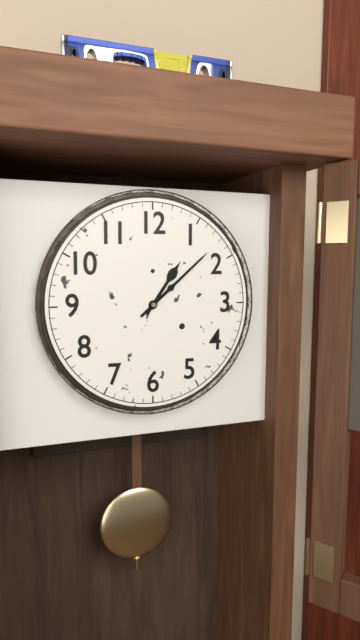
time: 1:08
